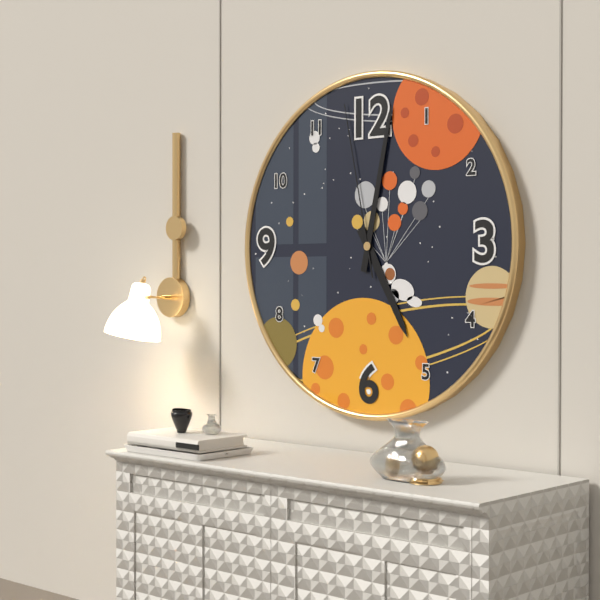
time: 5:02:58
